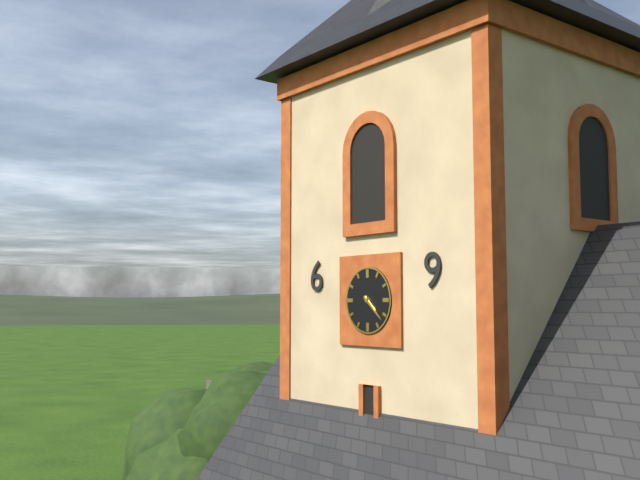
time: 4:22
